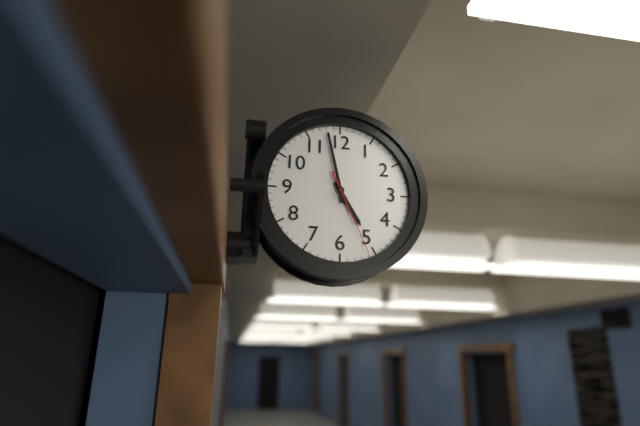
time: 4:58:26
